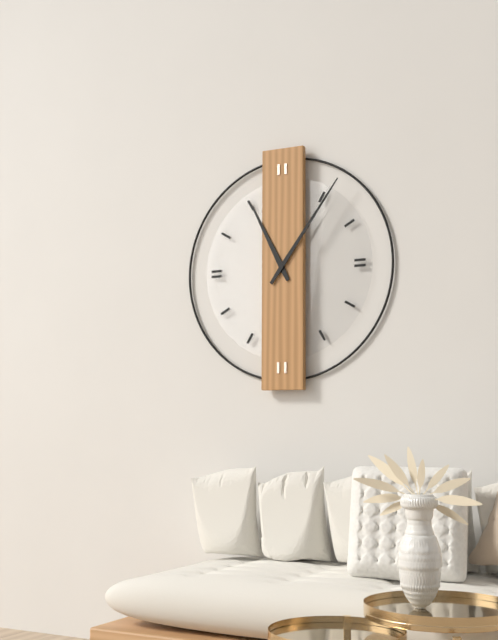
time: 11:06
